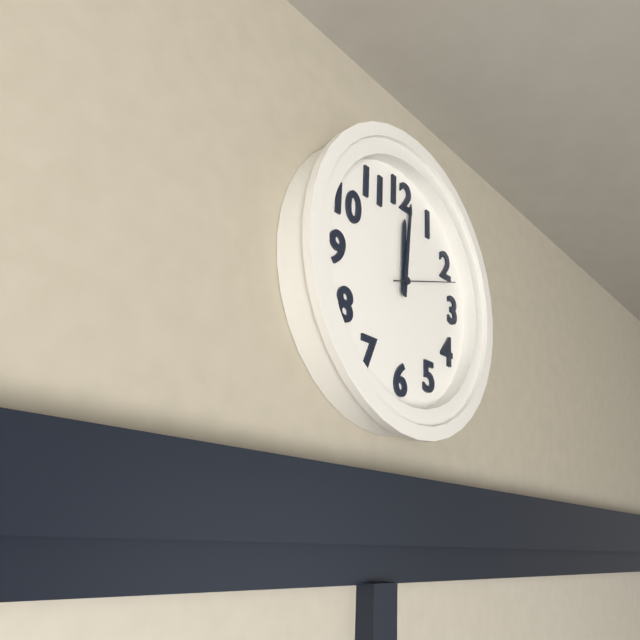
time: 12:01:12
